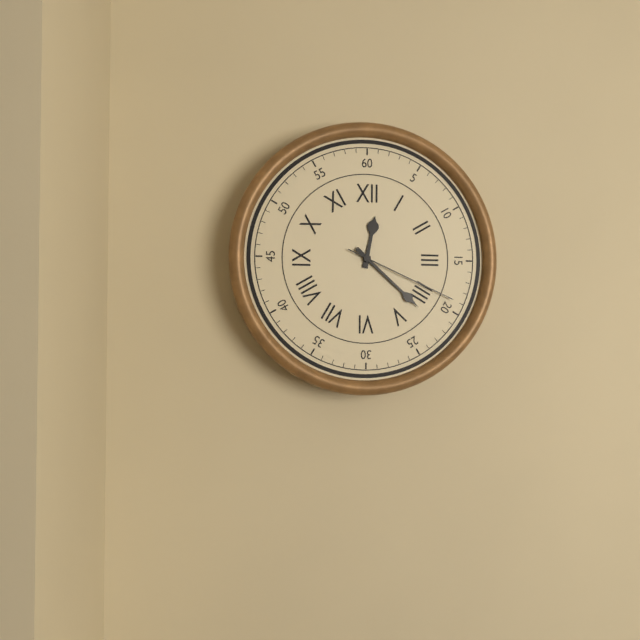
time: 12:22:19
